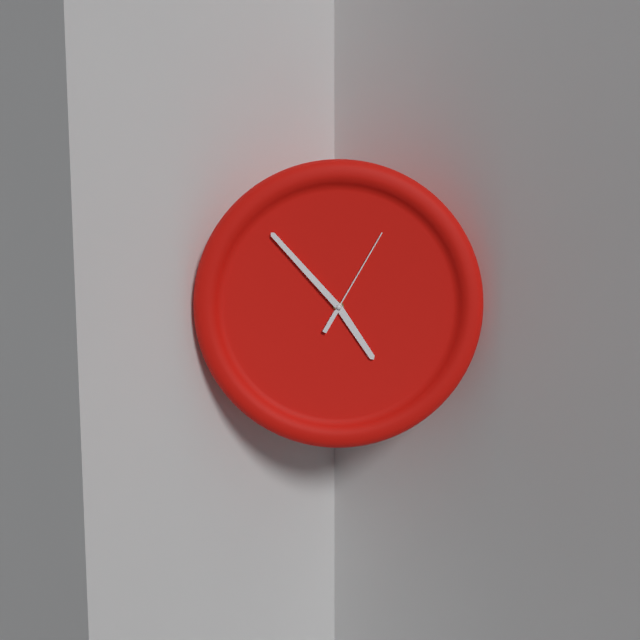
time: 4:53:05
